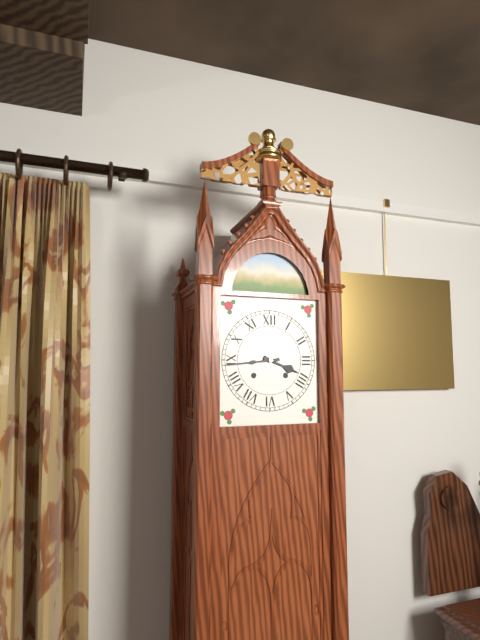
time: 3:44
